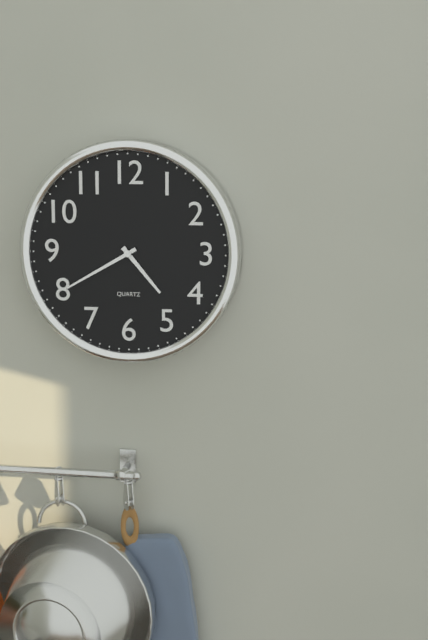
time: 4:40
